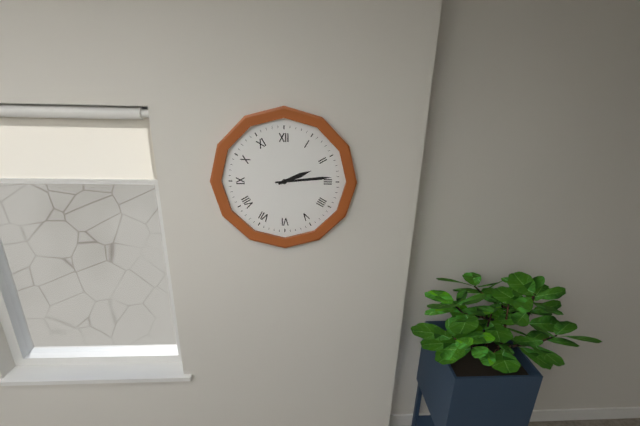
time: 2:14
